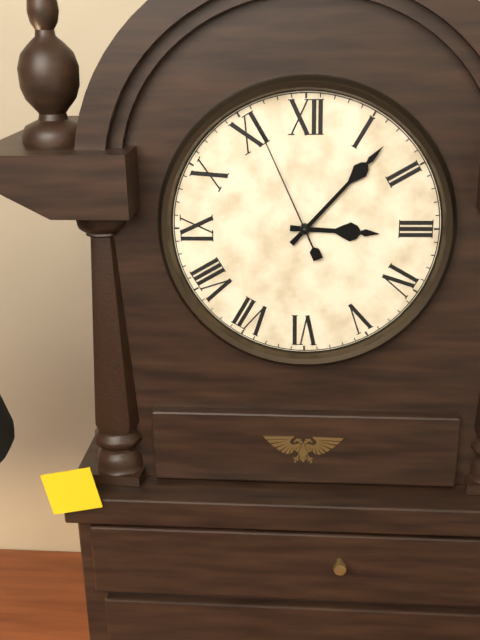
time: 3:07:56
